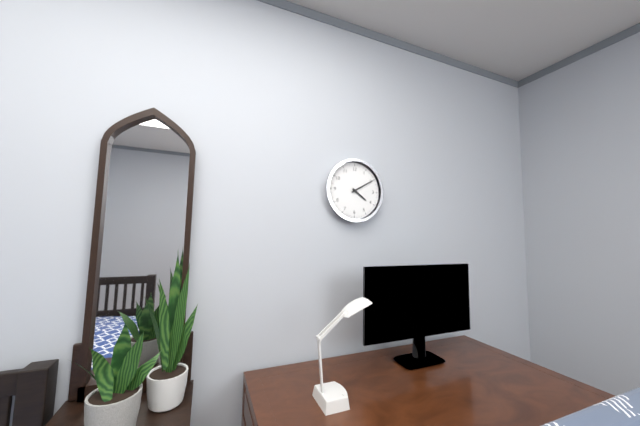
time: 4:10
